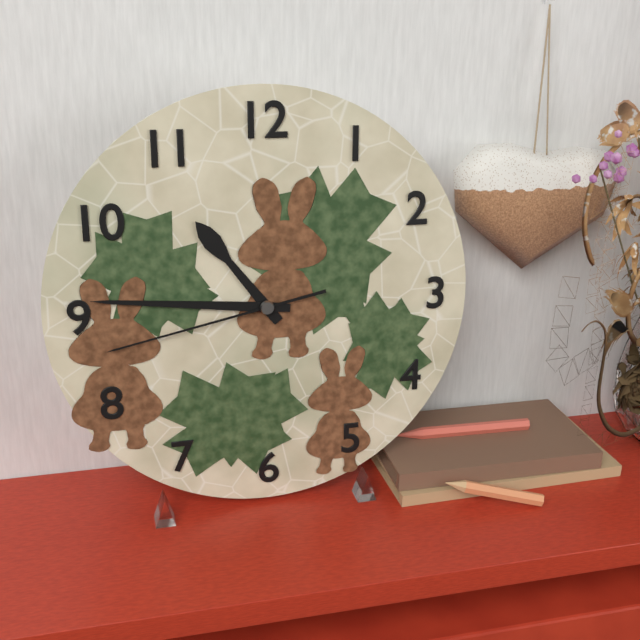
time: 10:46:43
